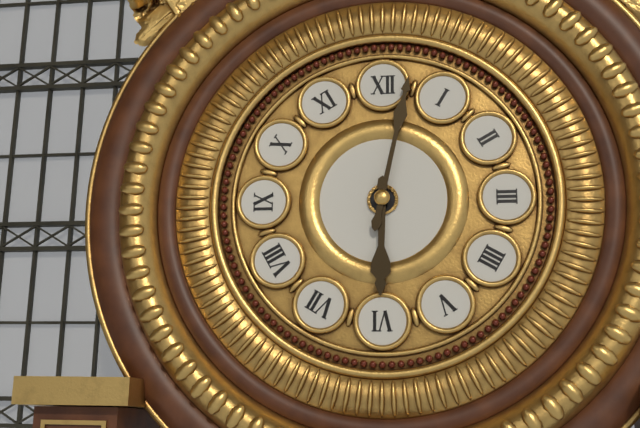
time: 6:02
